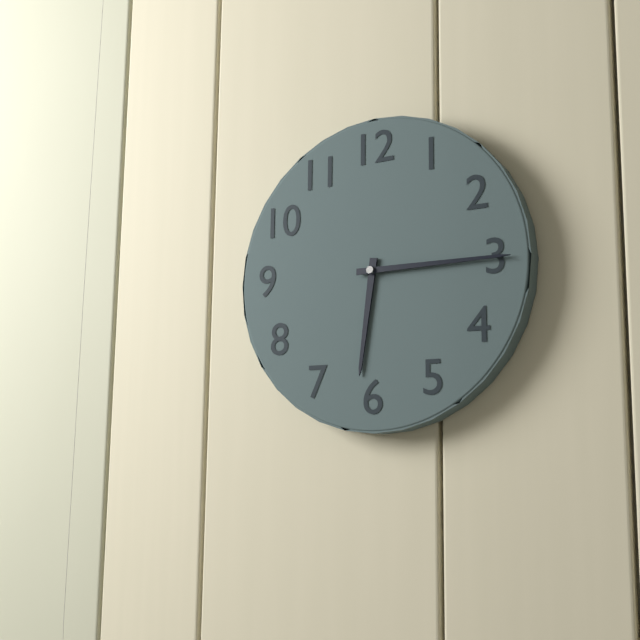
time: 6:15
